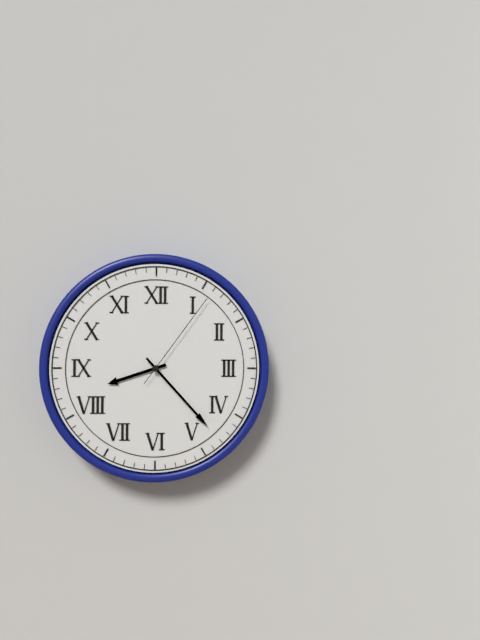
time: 8:23:06
